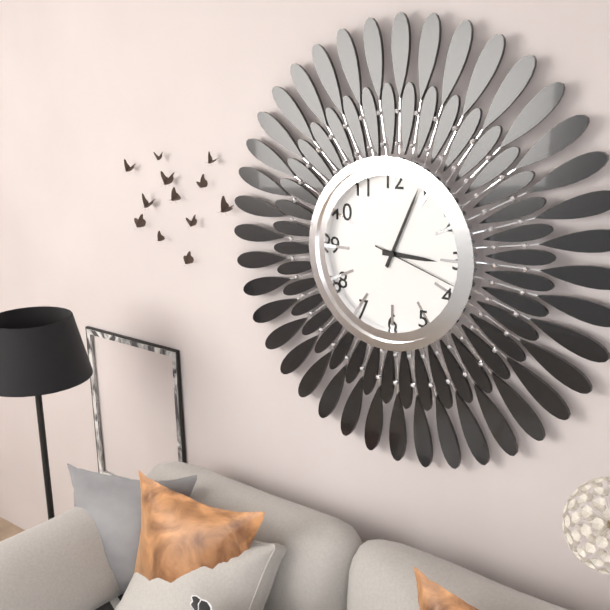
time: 3:04:18
